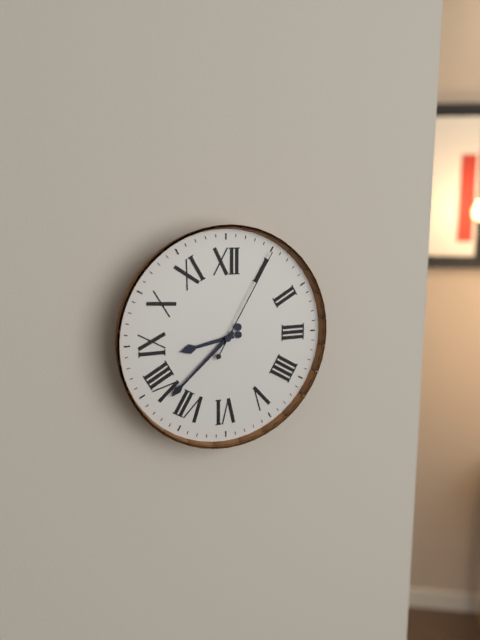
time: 8:38:05
